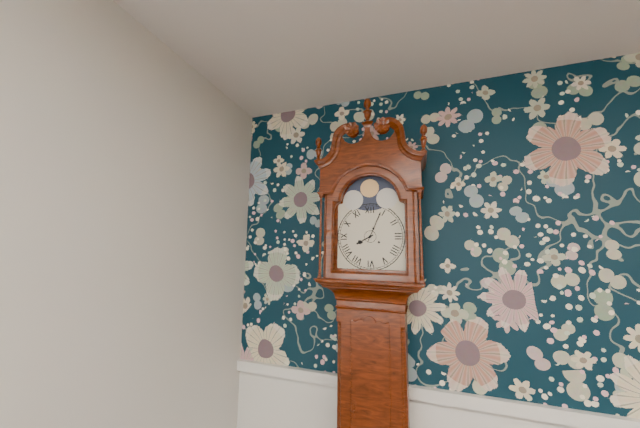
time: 8:04
